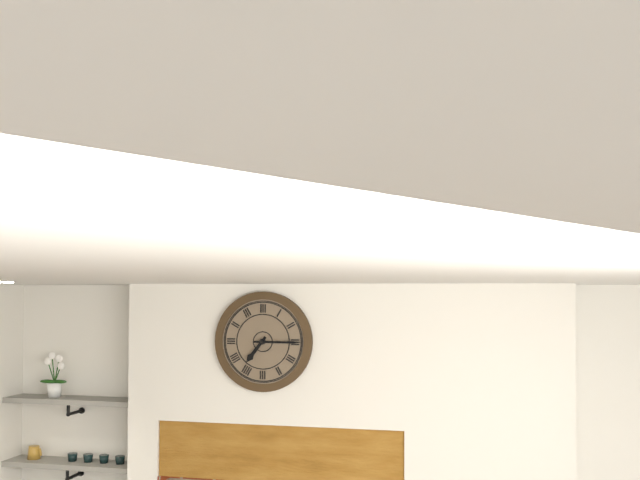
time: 7:15
